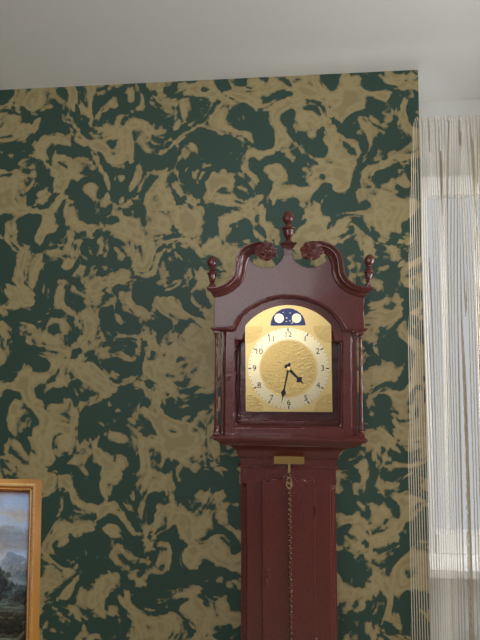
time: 4:32
